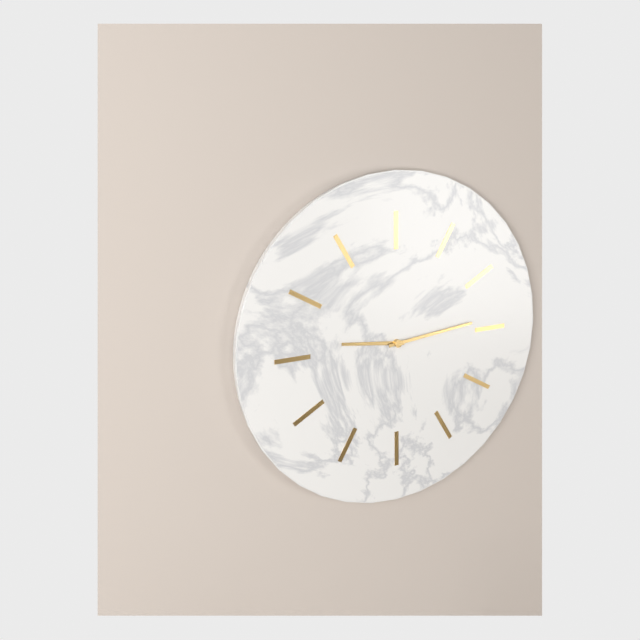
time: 9:14
